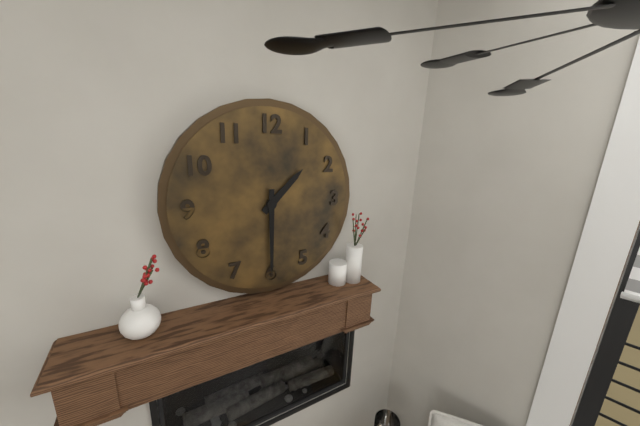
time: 1:30
